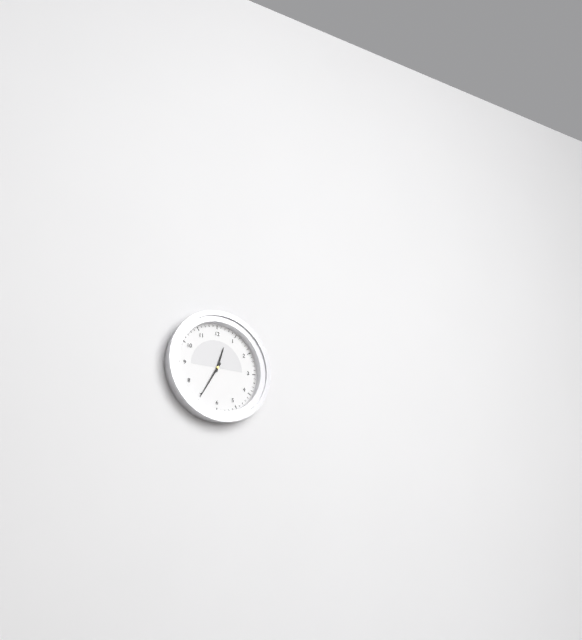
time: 12:35
